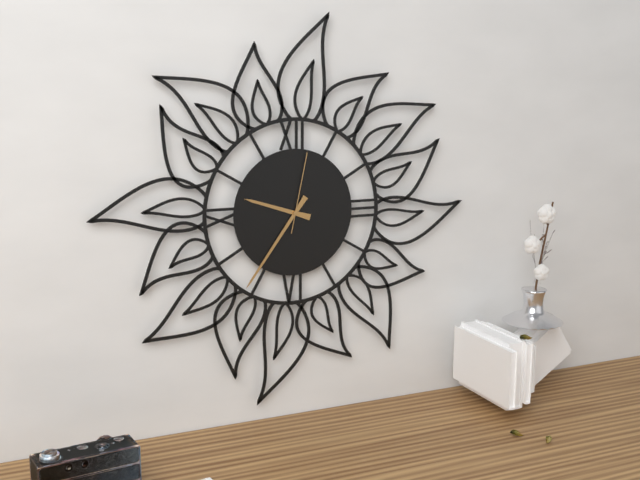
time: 9:36:02
